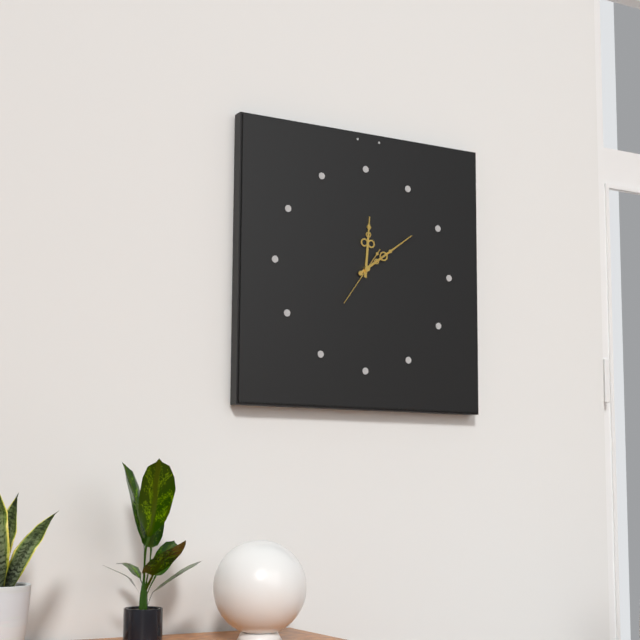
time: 12:09:36
